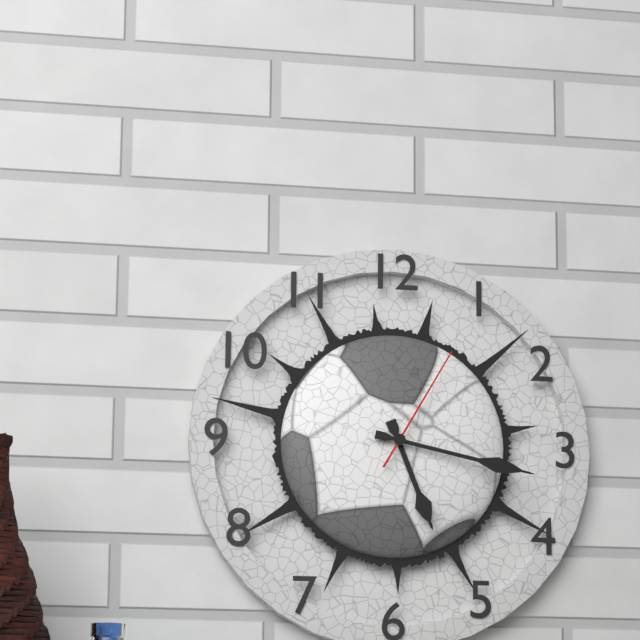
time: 5:17:05
